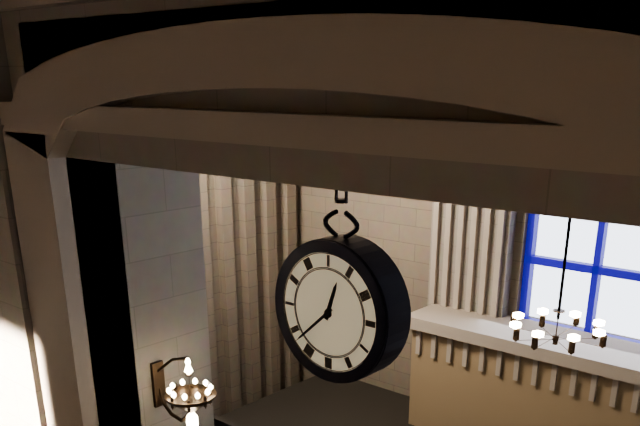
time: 12:38
